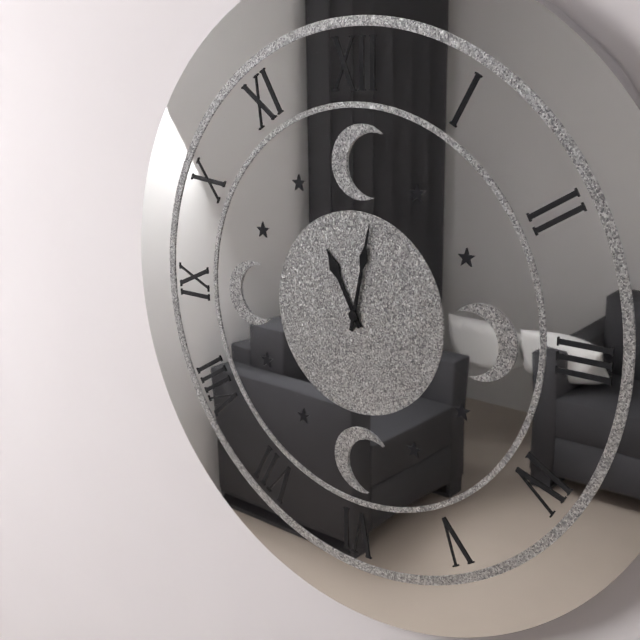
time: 11:02
